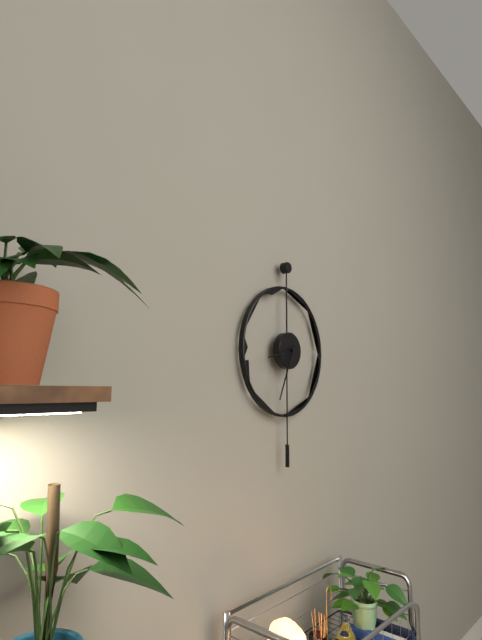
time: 8:34
